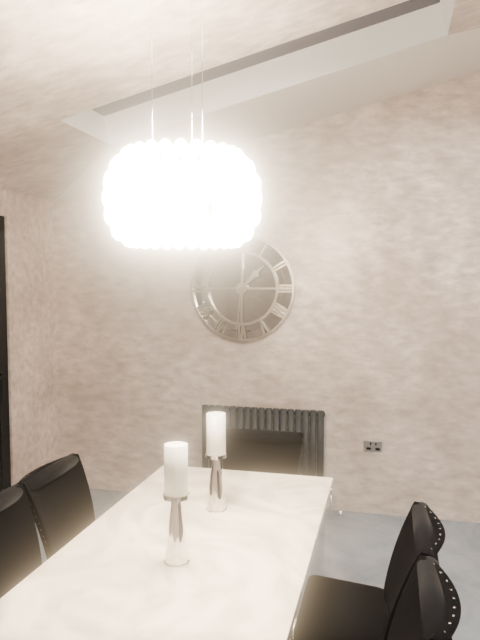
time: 1:31
